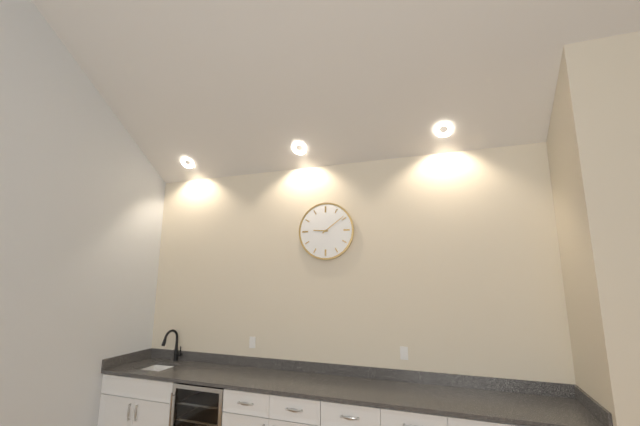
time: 9:09
